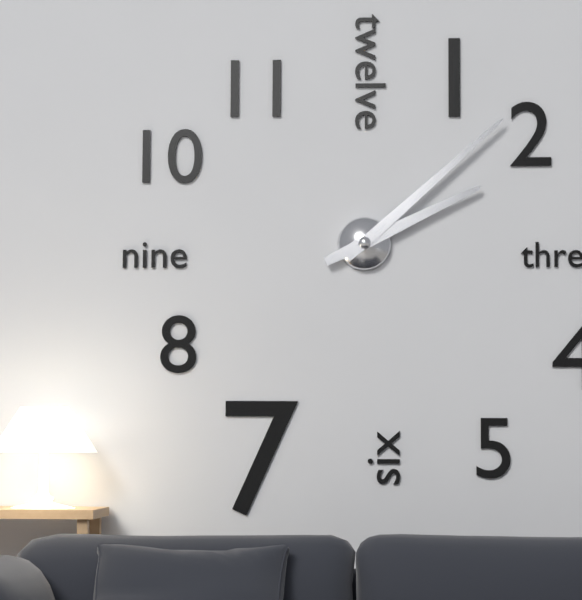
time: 2:08
